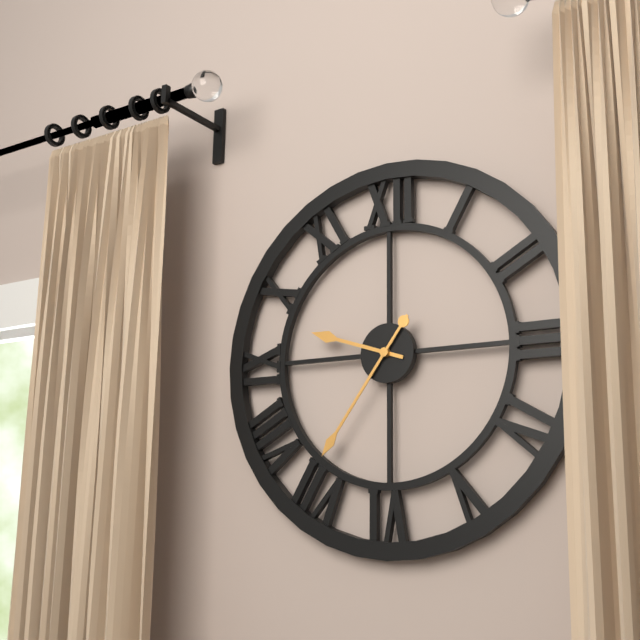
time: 9:36
